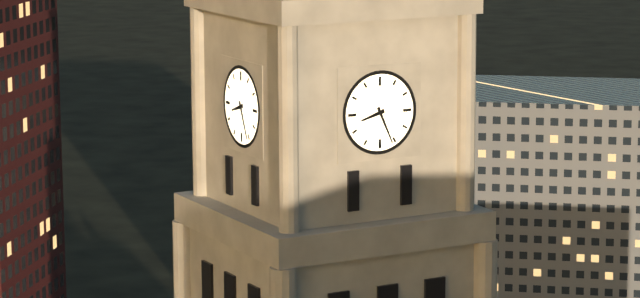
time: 8:26
